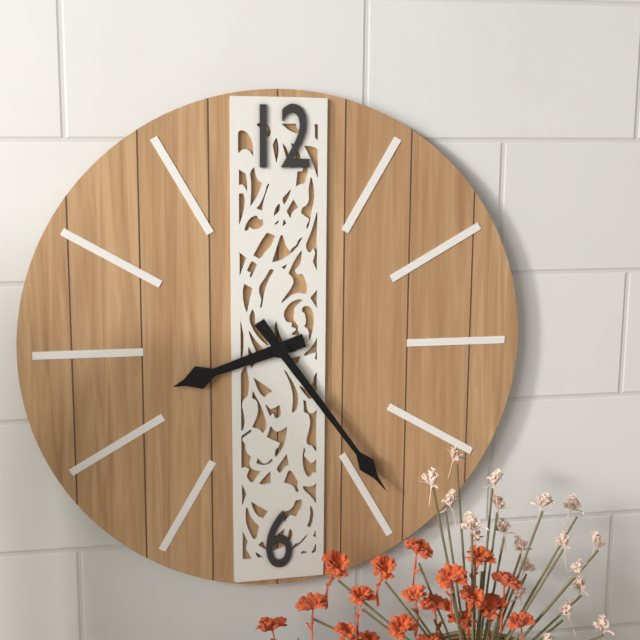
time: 8:24
